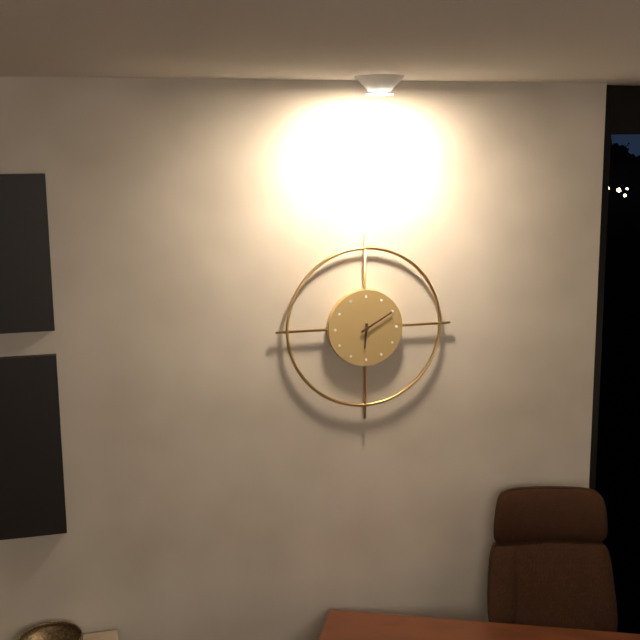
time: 6:10
